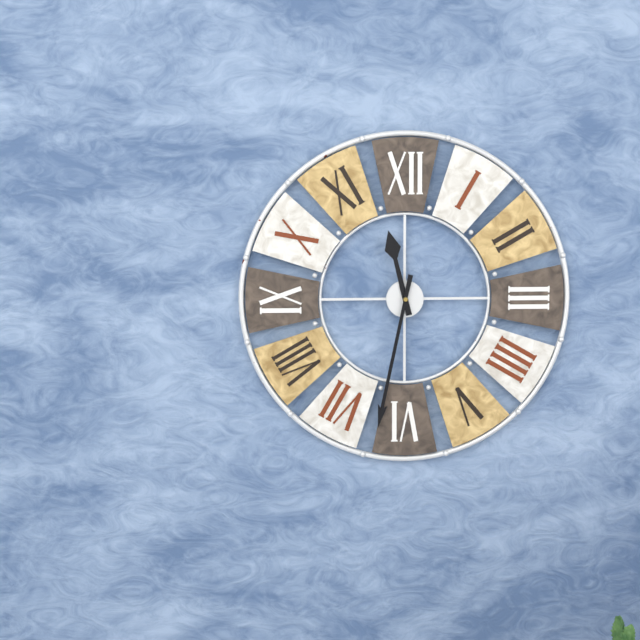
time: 11:32
